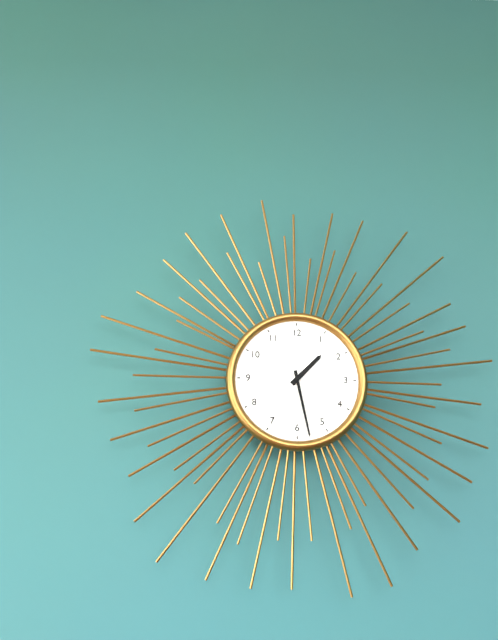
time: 1:28
